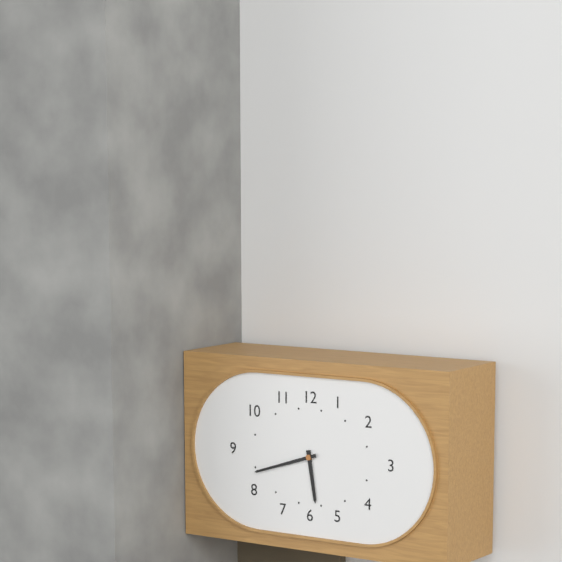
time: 5:42
